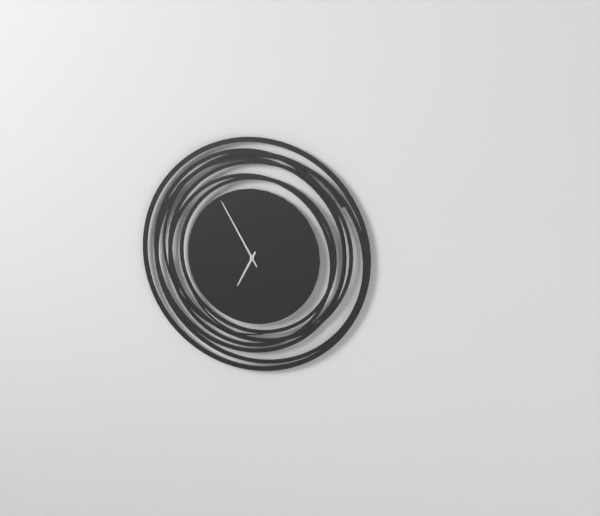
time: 6:55
